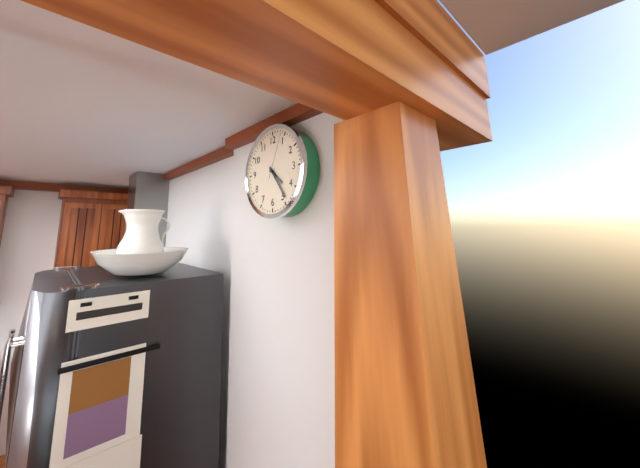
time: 4:24
